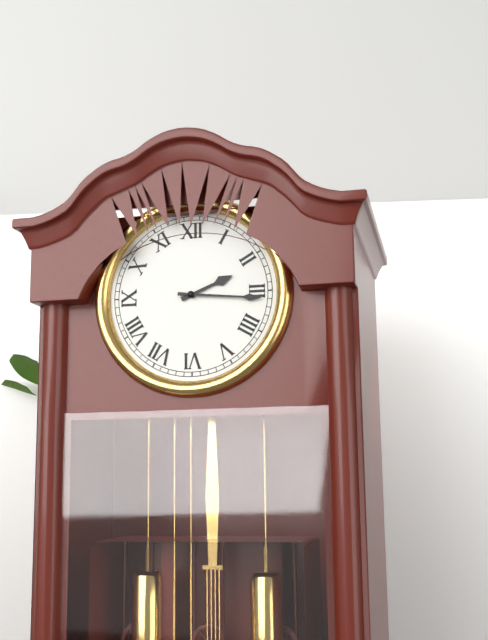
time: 2:16
